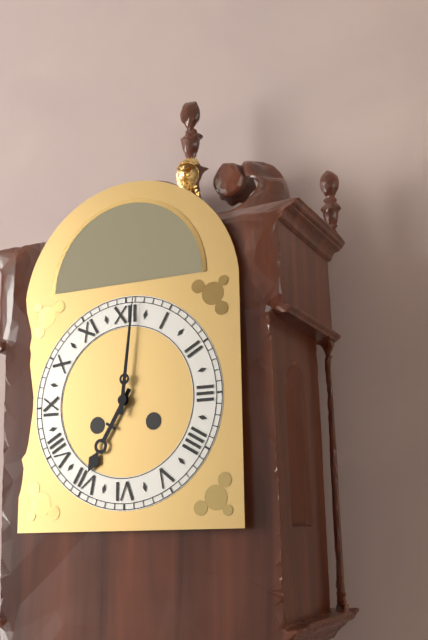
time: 7:01
